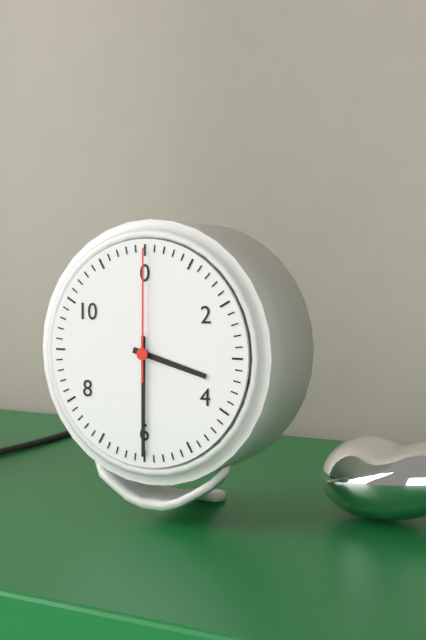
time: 3:30:00
